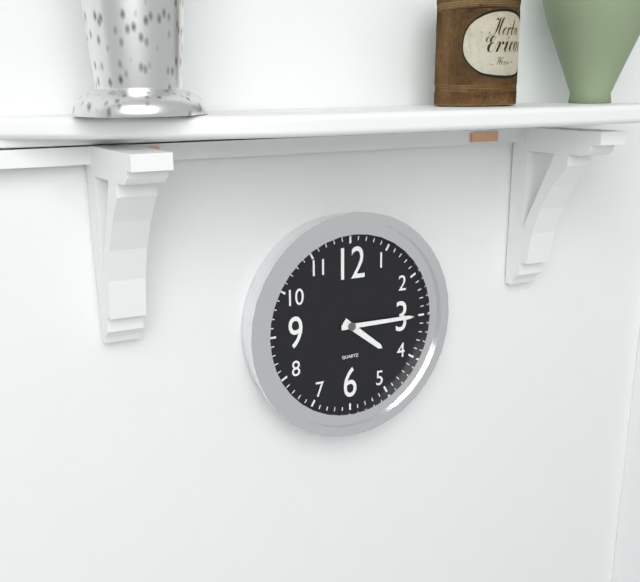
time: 4:15
